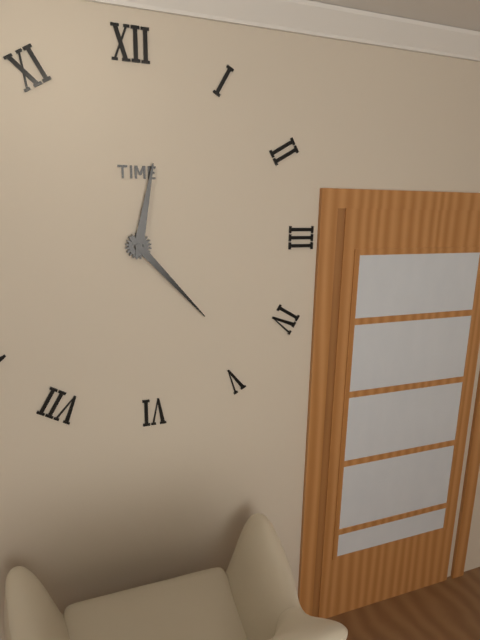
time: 12:23
